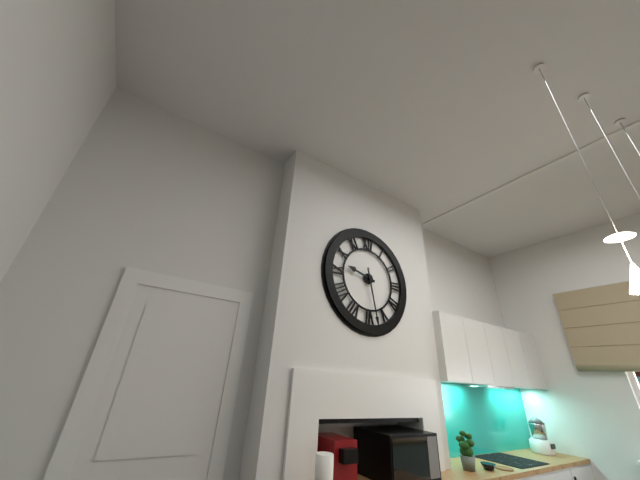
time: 9:28
